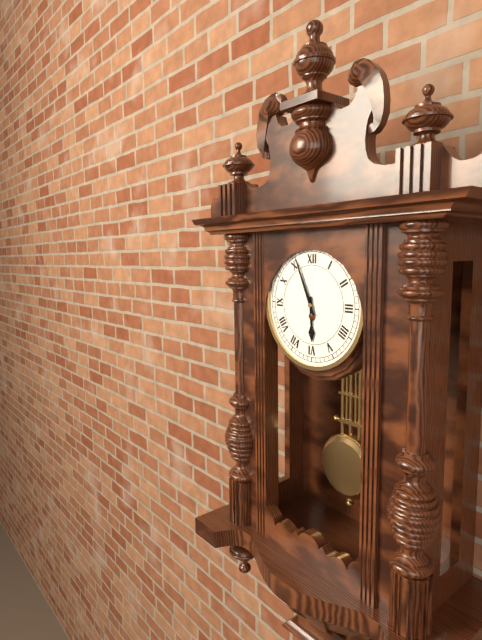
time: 5:56
